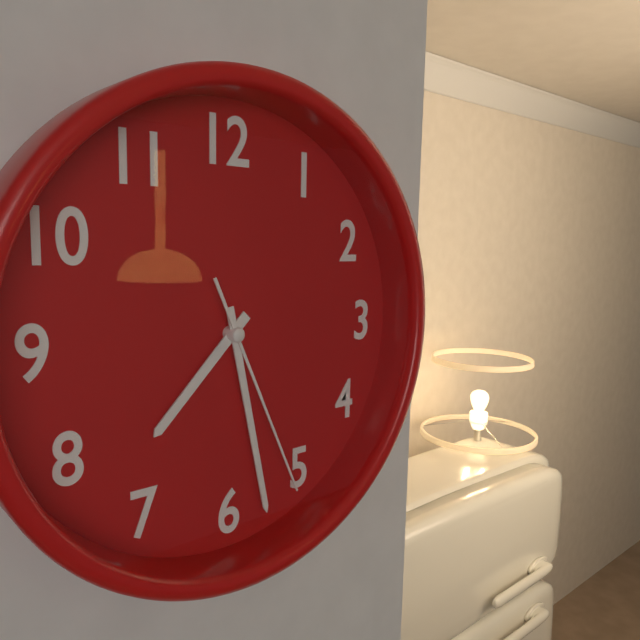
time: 7:28:26
